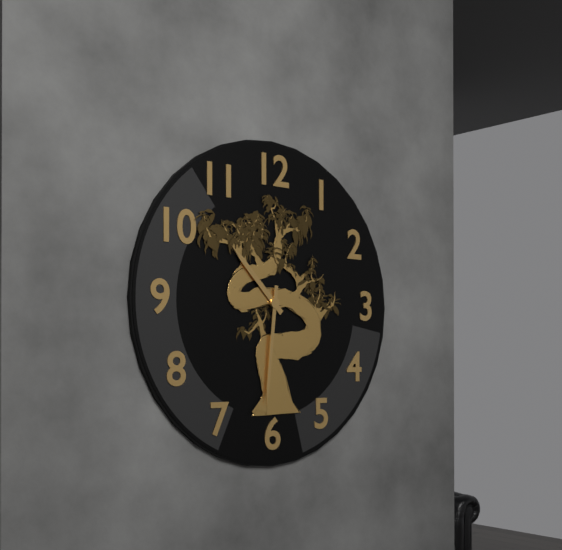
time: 10:31
